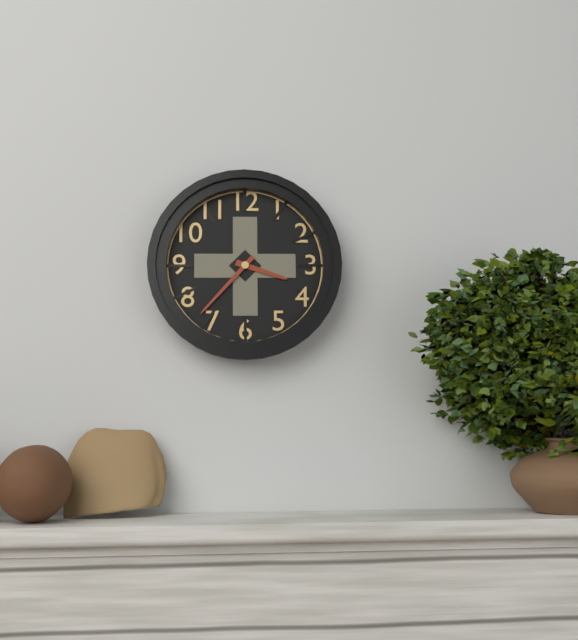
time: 3:37
